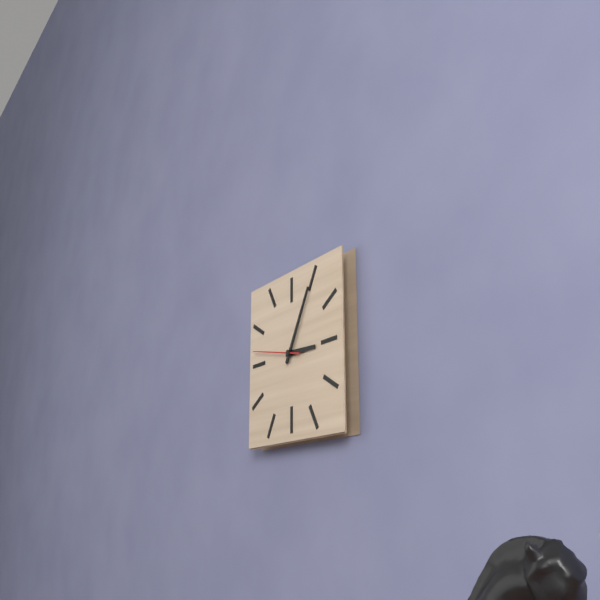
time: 3:05
